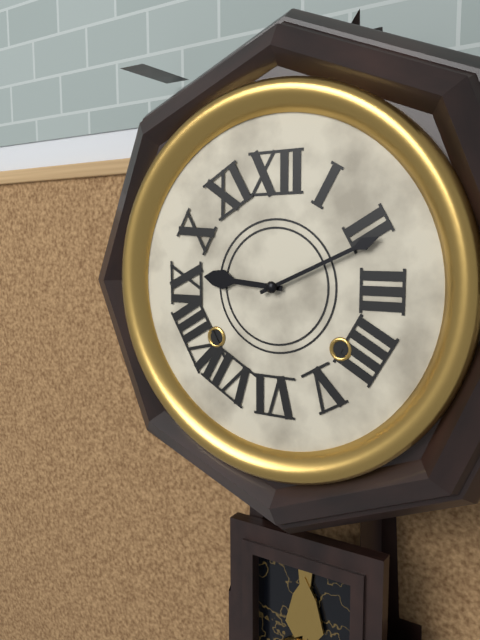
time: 9:11
